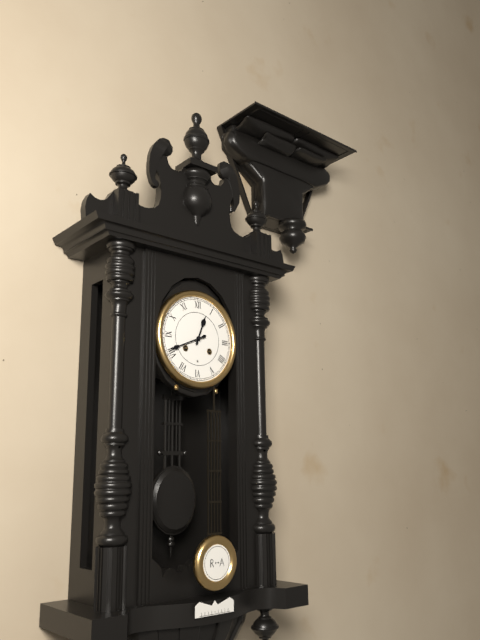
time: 12:41
